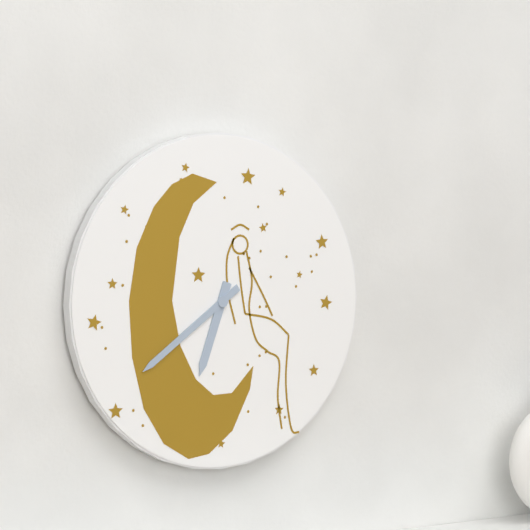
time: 6:39
